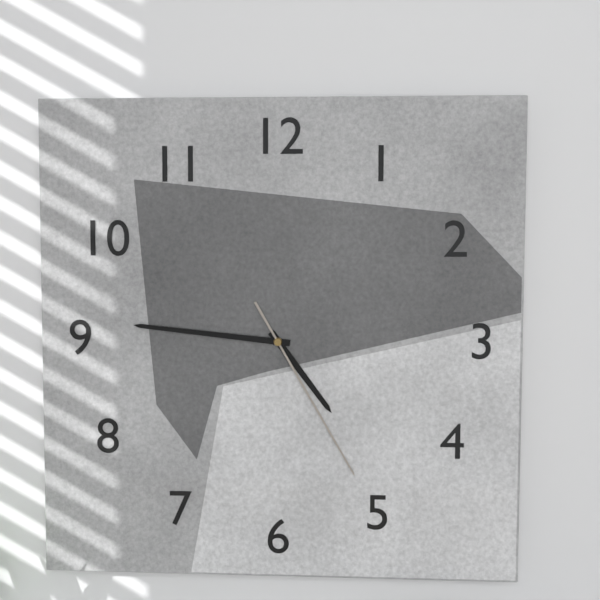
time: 4:46:25
